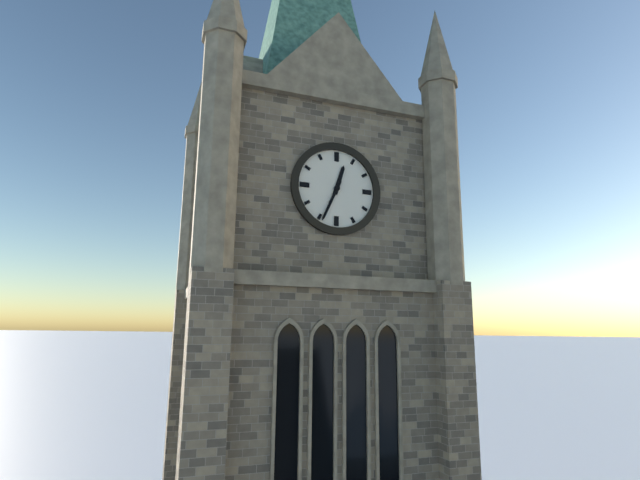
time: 12:34
